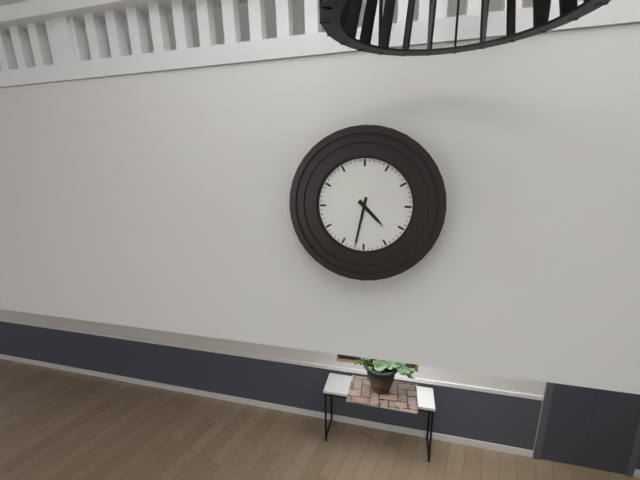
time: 4:32
